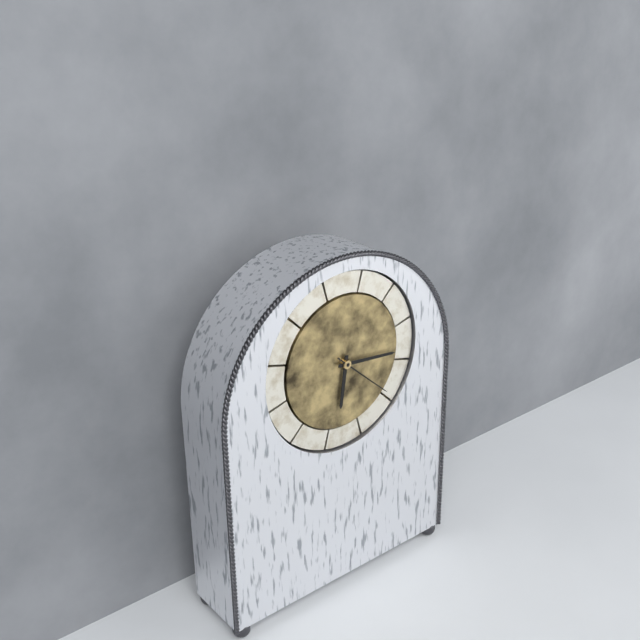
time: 6:16:22
